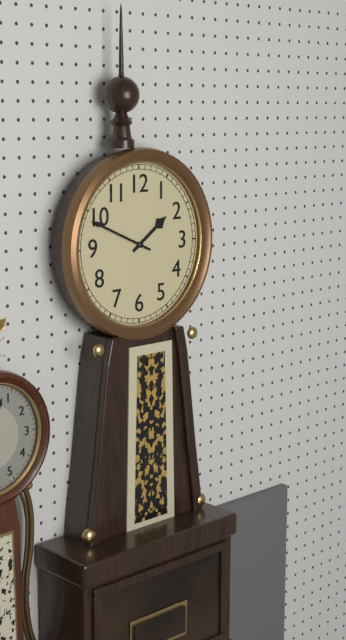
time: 1:49
